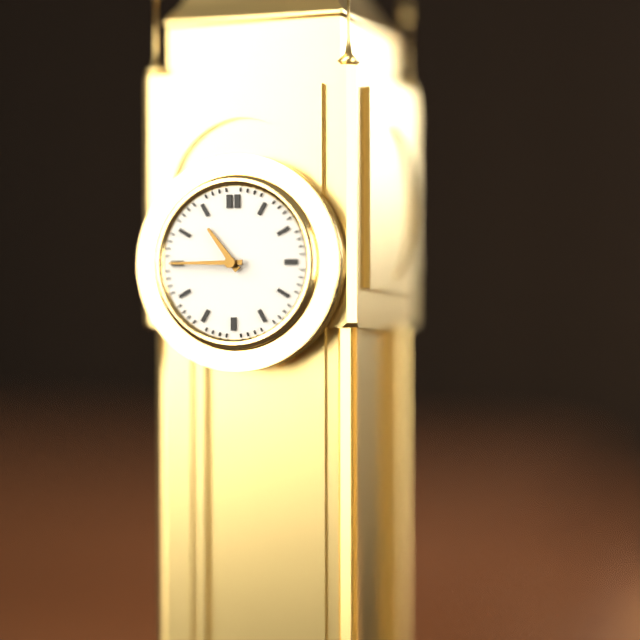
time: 10:45
